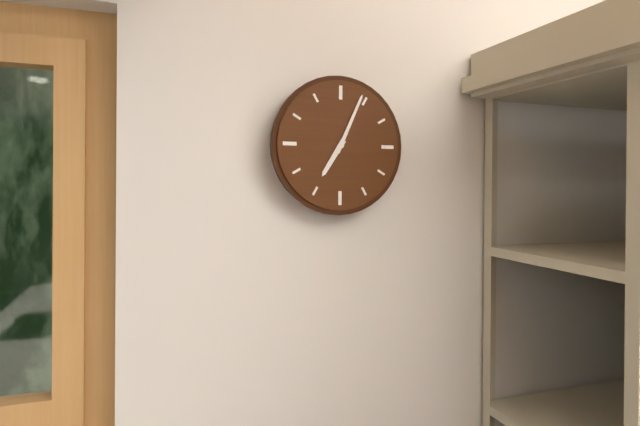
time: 7:04
